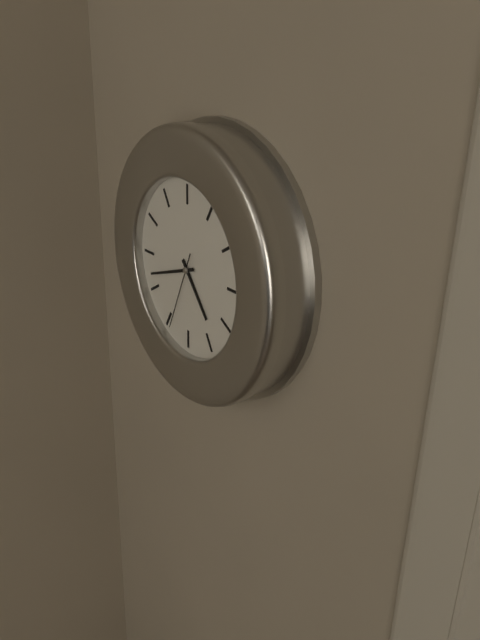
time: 4:42:34
